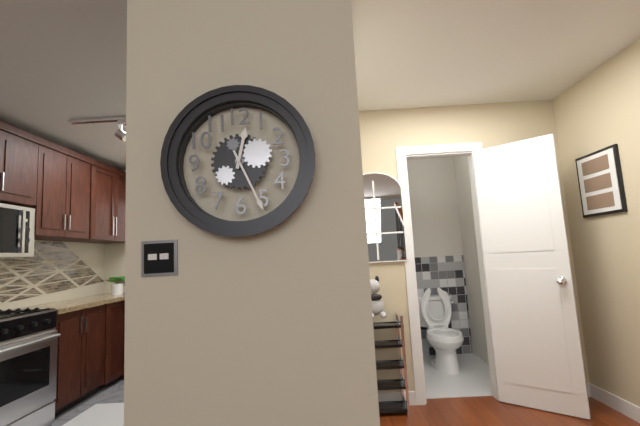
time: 12:26
